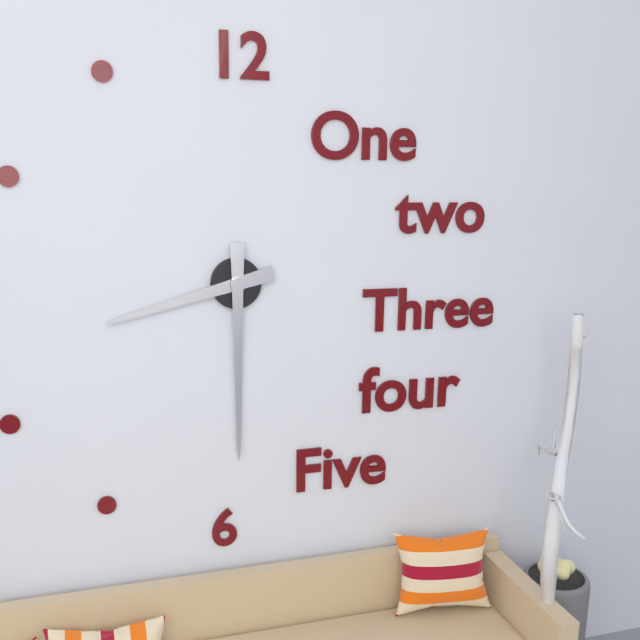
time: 8:30
